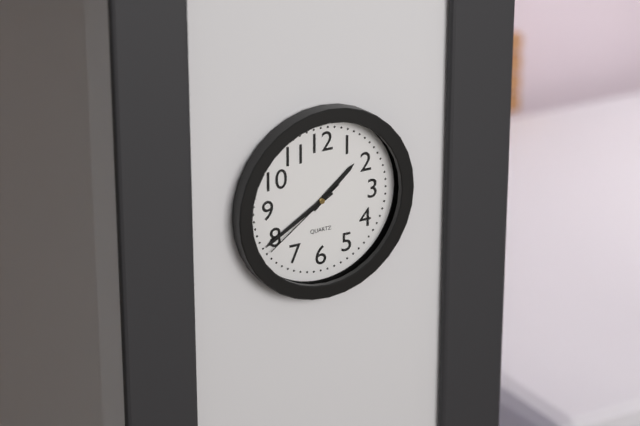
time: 1:40:39
